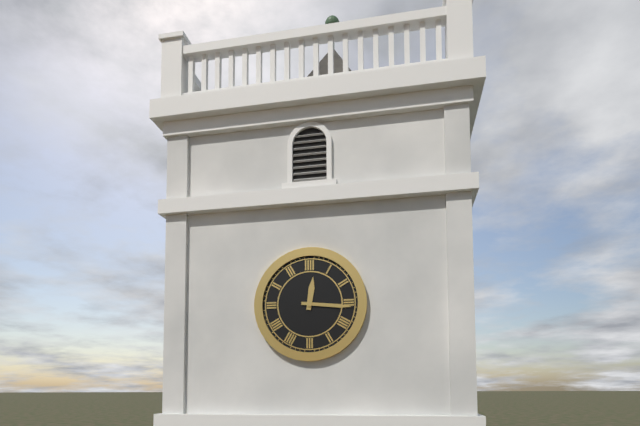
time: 12:16
